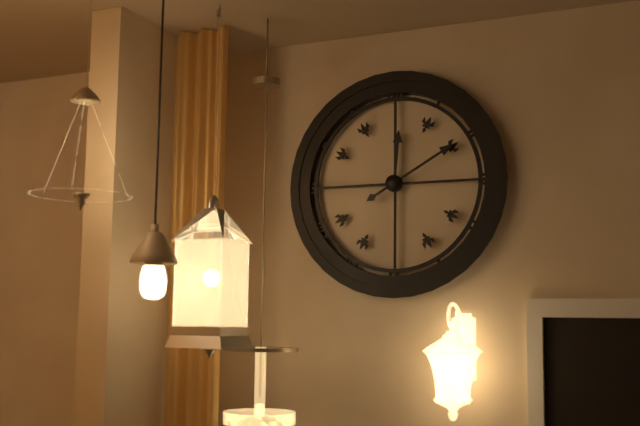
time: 12:10
